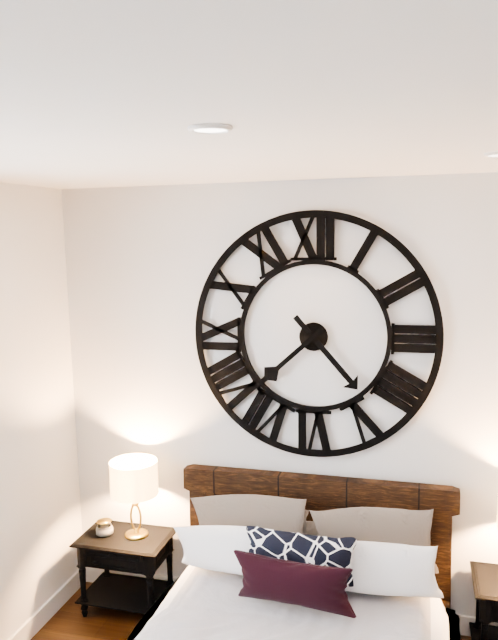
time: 4:38
